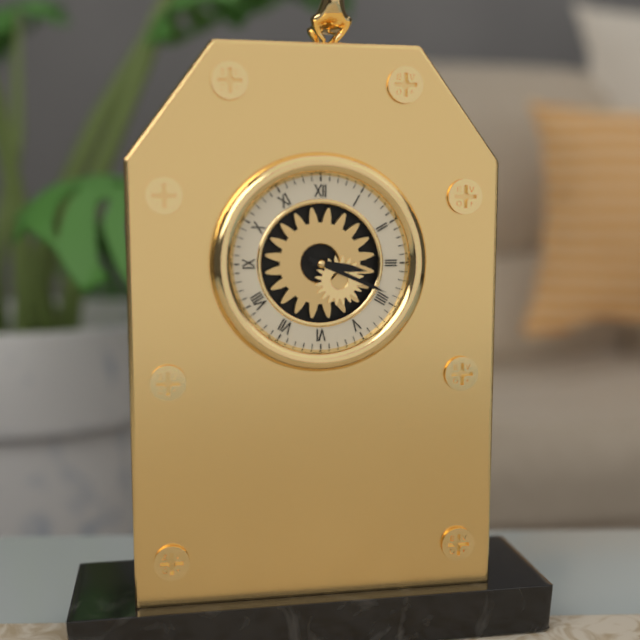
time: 3:19
